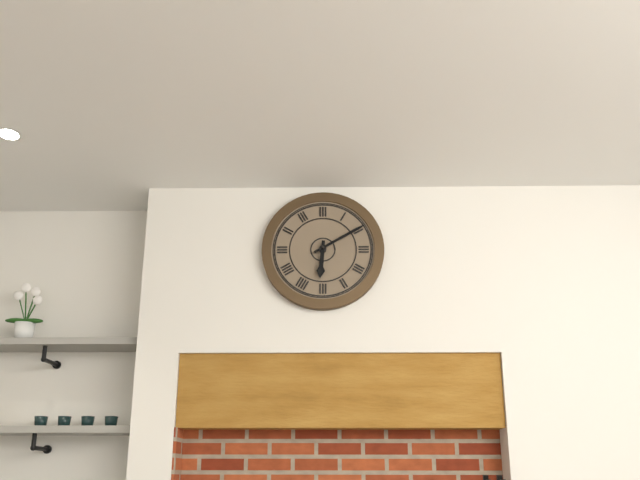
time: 6:10
